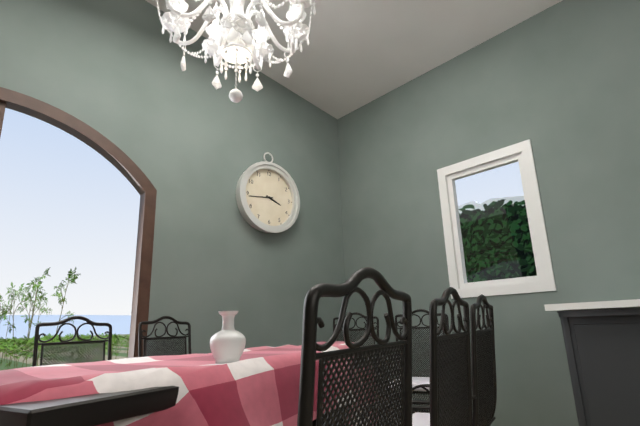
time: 3:44
